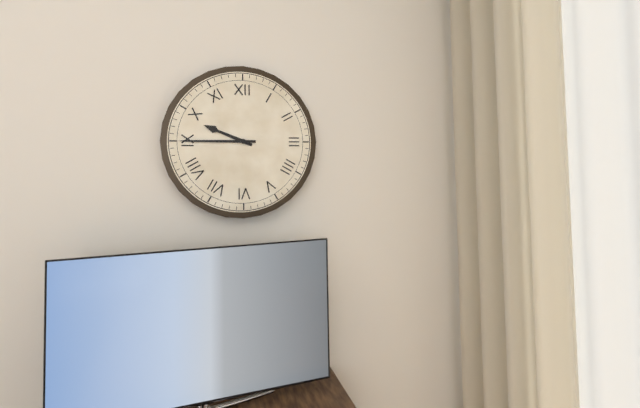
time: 9:45
